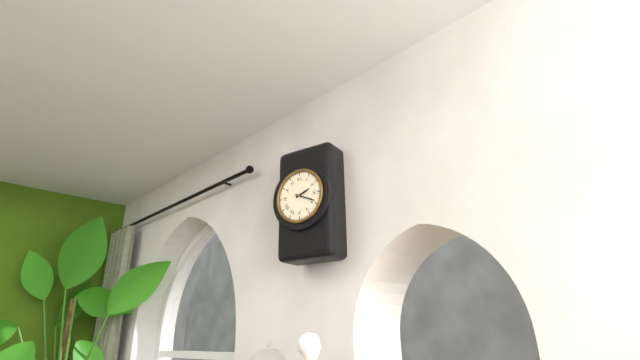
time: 2:19
